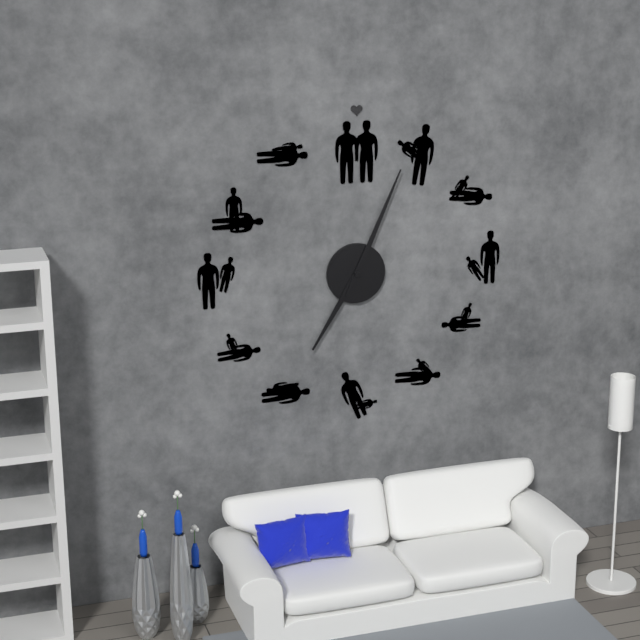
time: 7:04
